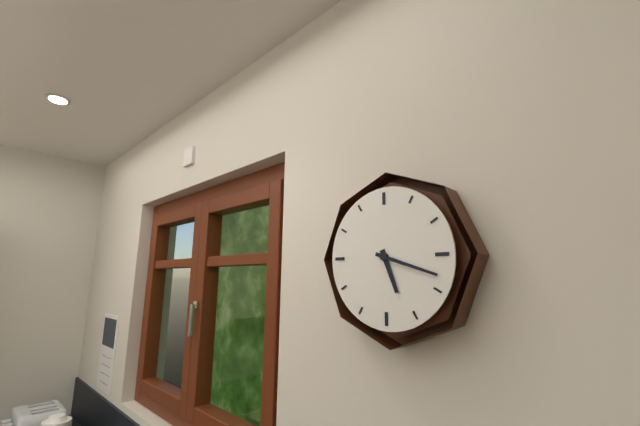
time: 5:18
